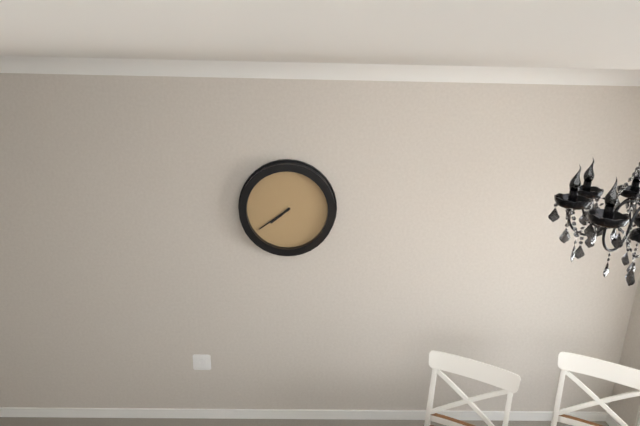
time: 7:39
